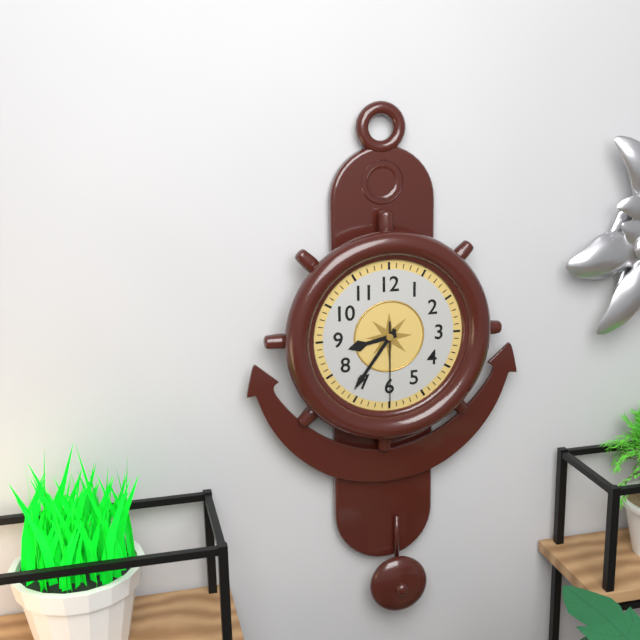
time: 8:36:30
